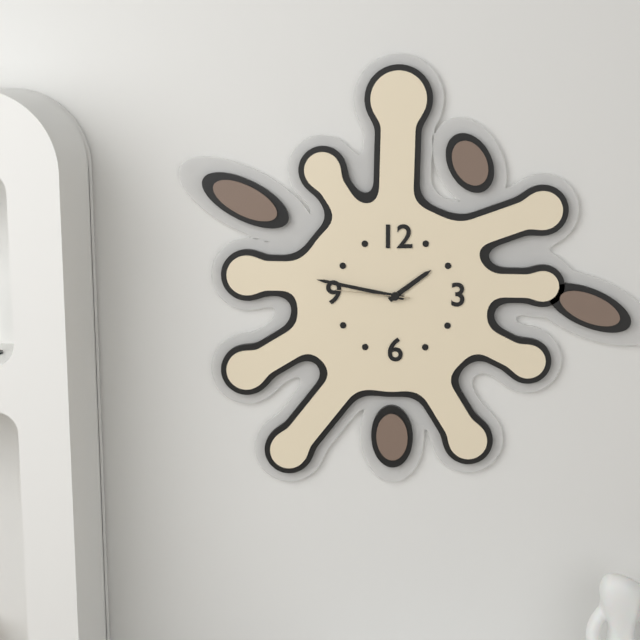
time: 1:47:46
